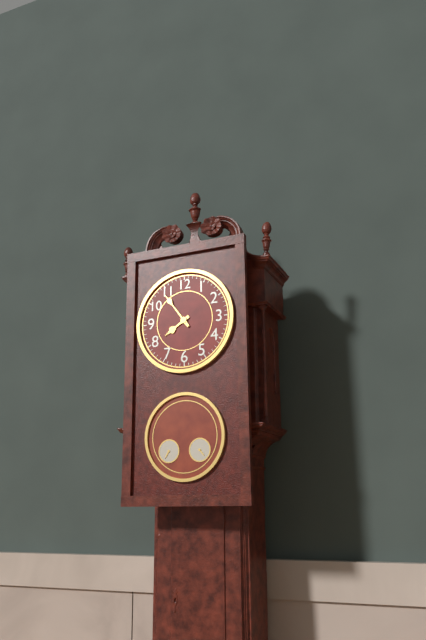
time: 7:54
